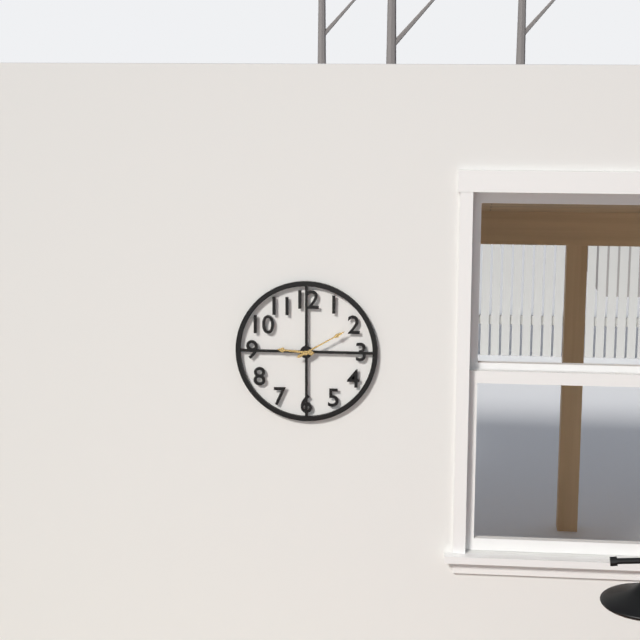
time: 9:10
